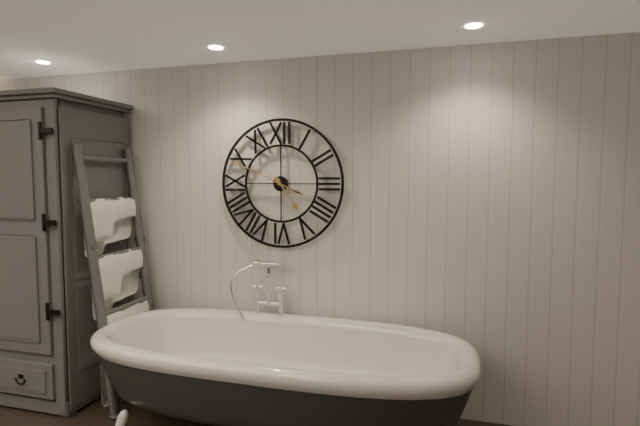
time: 4:49
